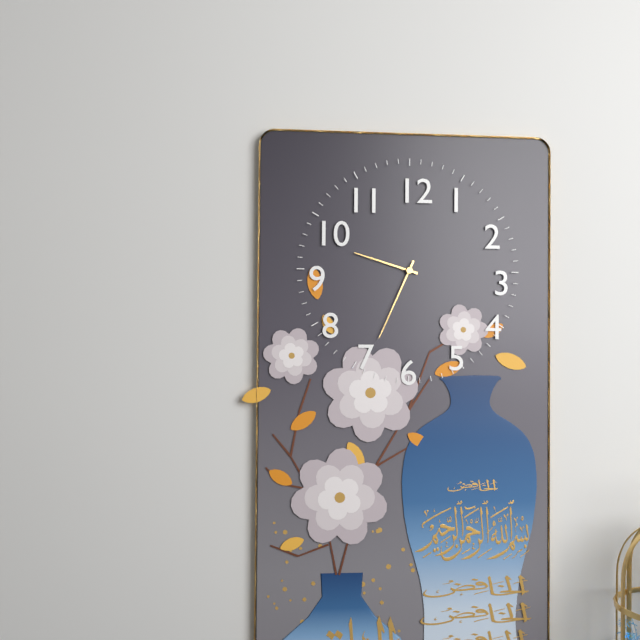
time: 9:34
